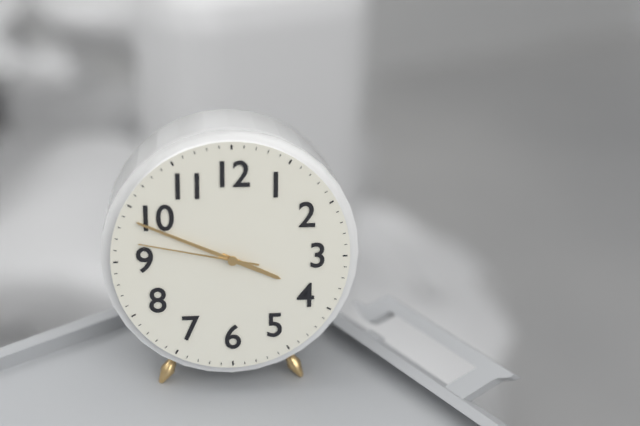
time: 3:49:47
